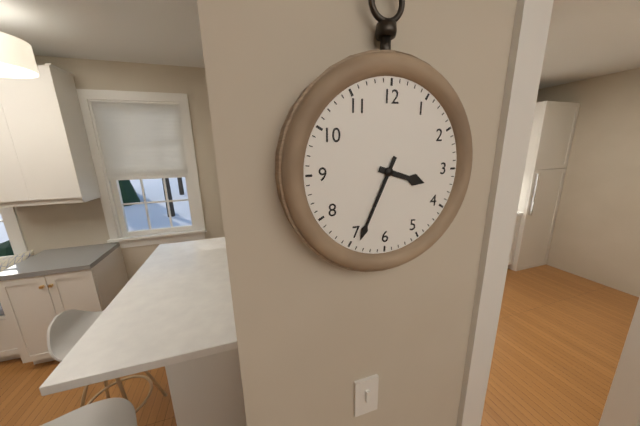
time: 3:34
